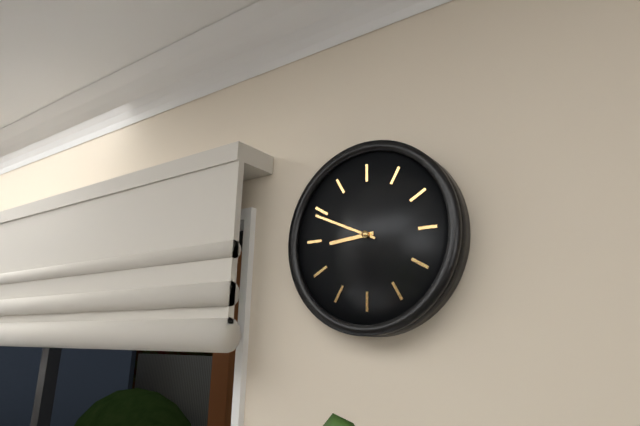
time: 8:49
